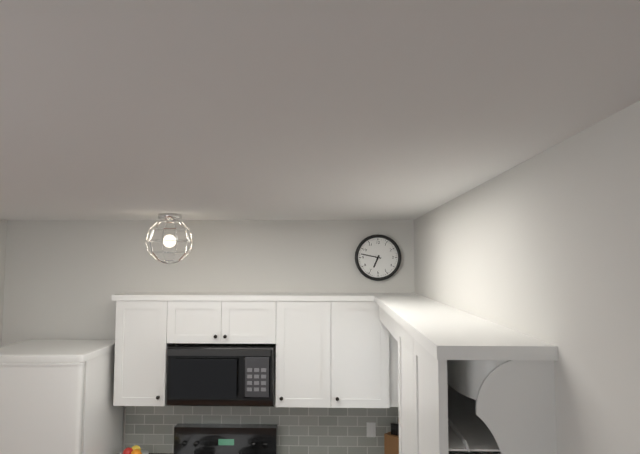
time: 6:47
